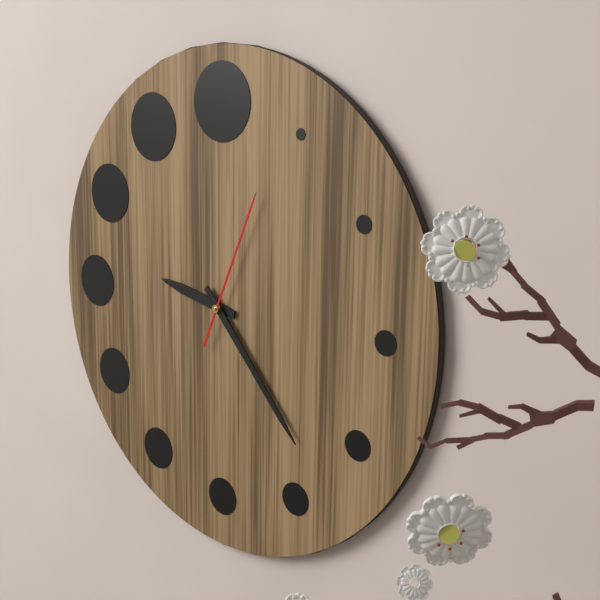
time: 9:23:04
